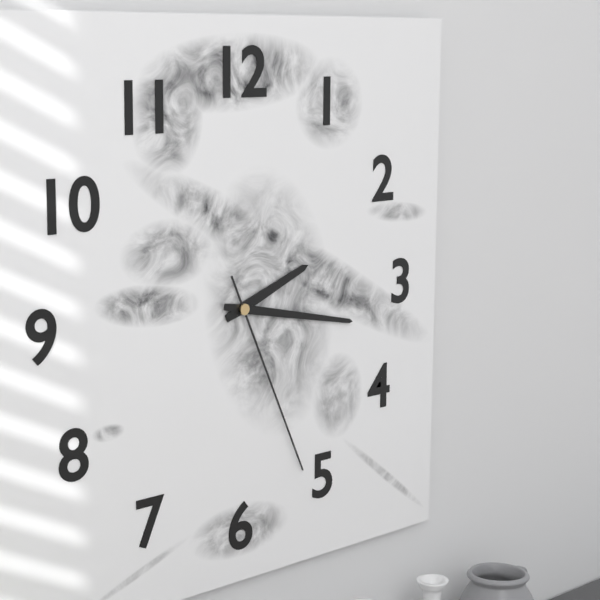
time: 2:17:26
